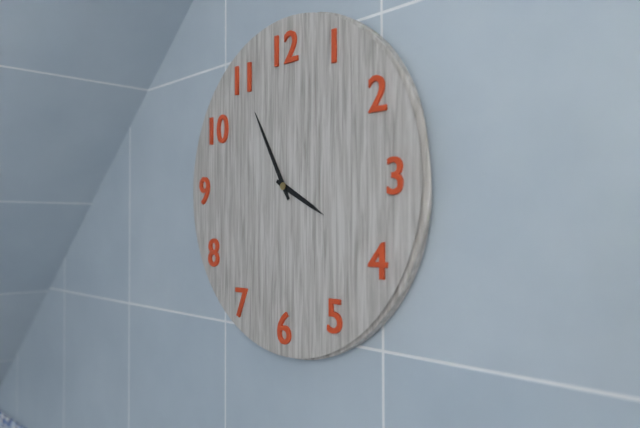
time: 3:55
